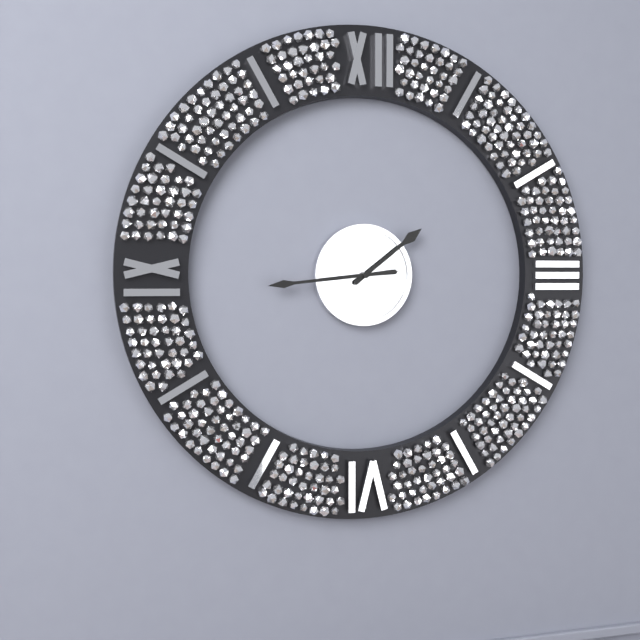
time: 1:44
